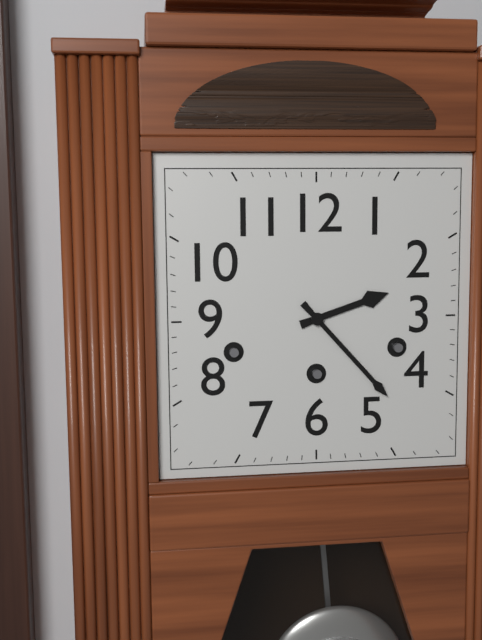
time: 2:23
